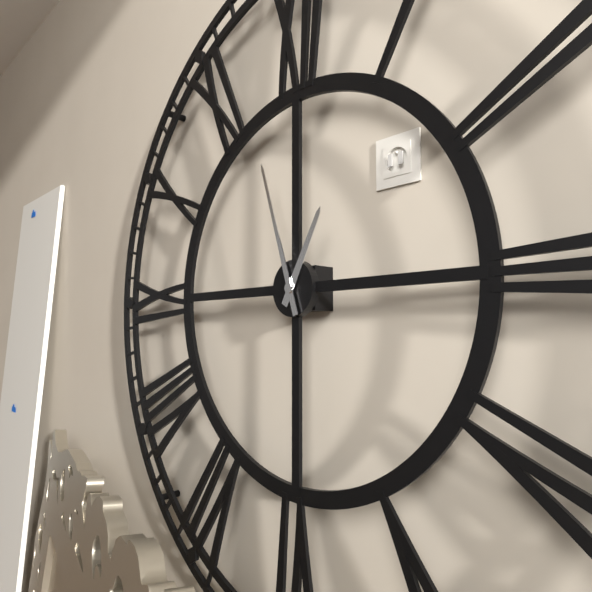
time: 12:57
